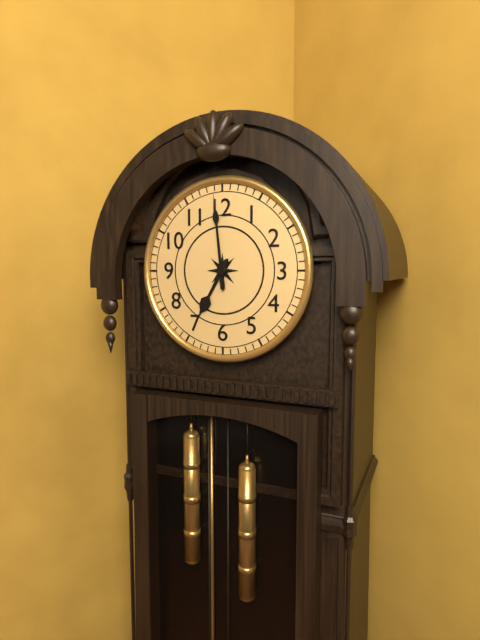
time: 6:59
